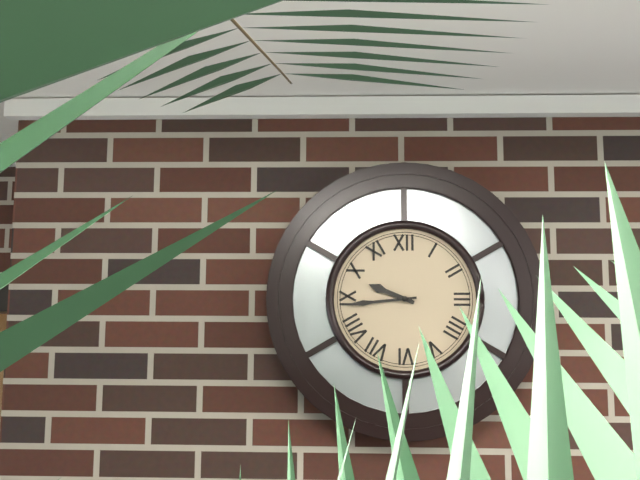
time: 9:44
